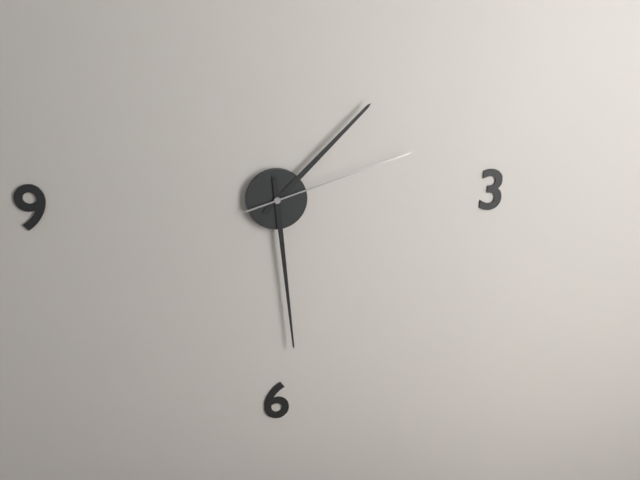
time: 1:29:12
